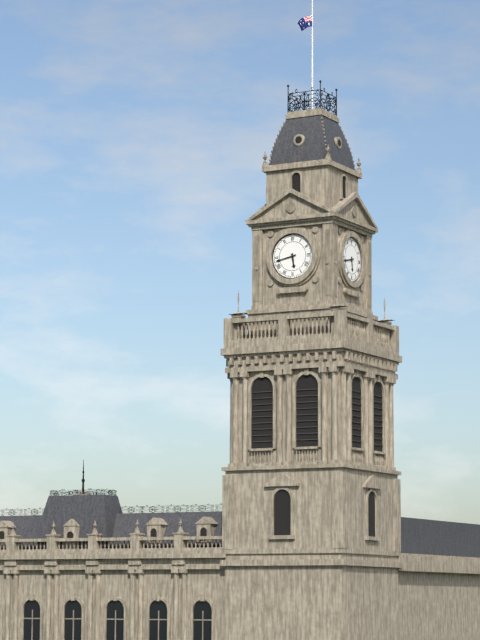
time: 5:43
